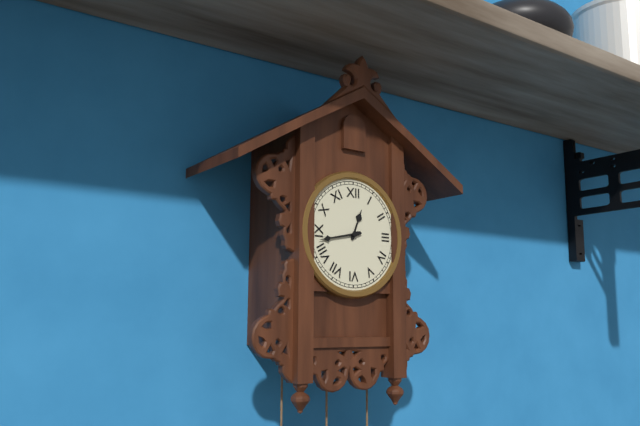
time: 12:43
